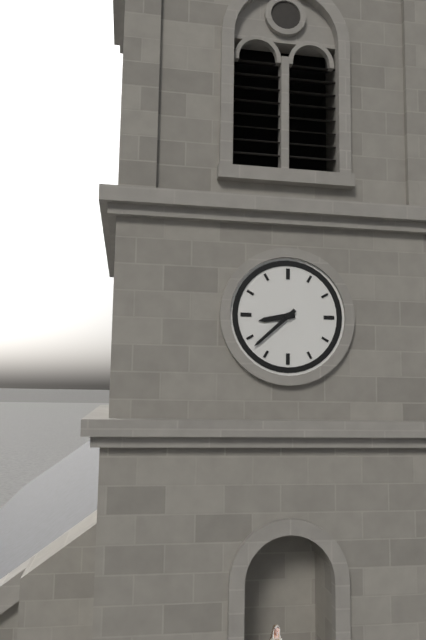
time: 8:38
